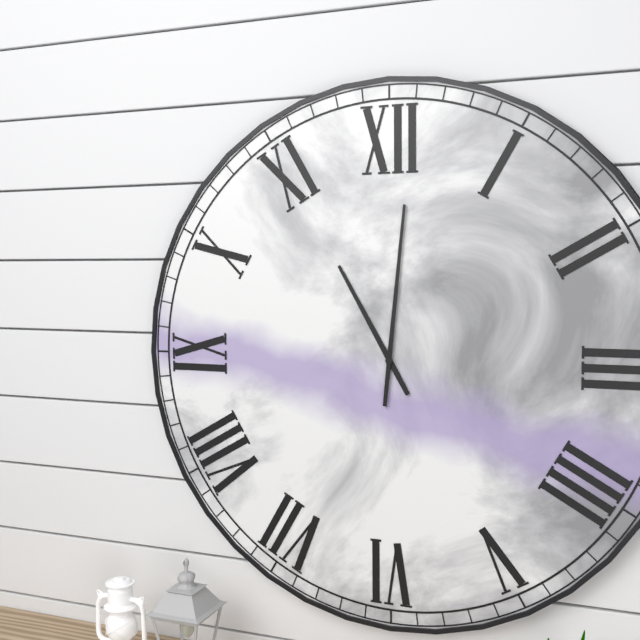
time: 11:01
